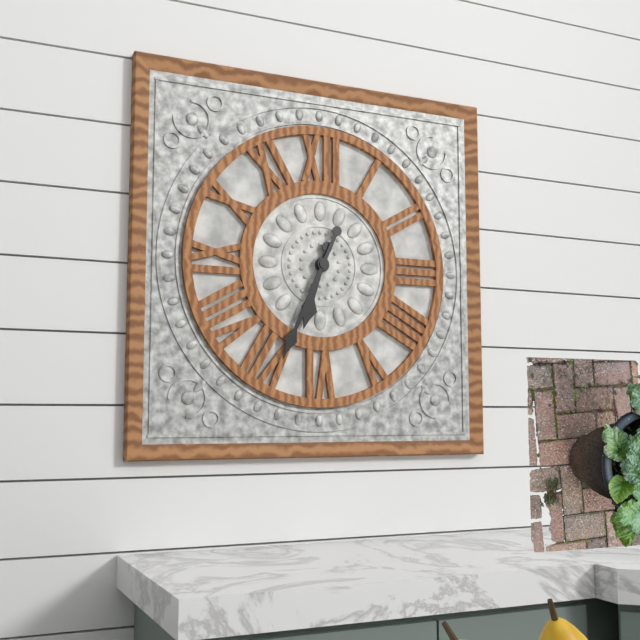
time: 6:34
